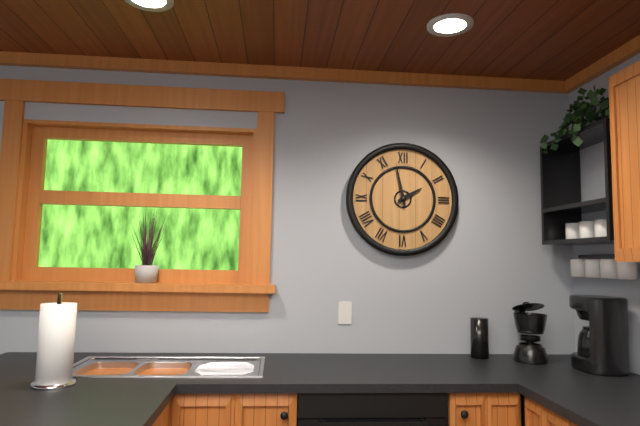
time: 1:58
